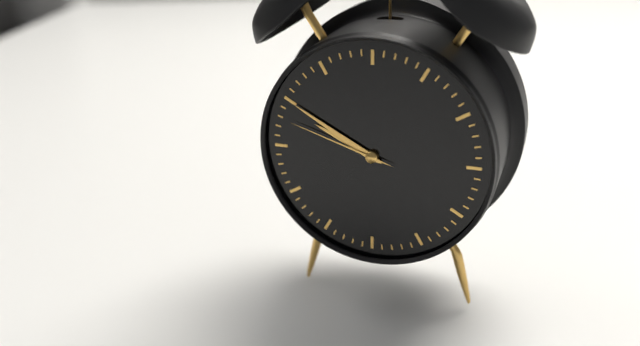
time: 9:50:48
